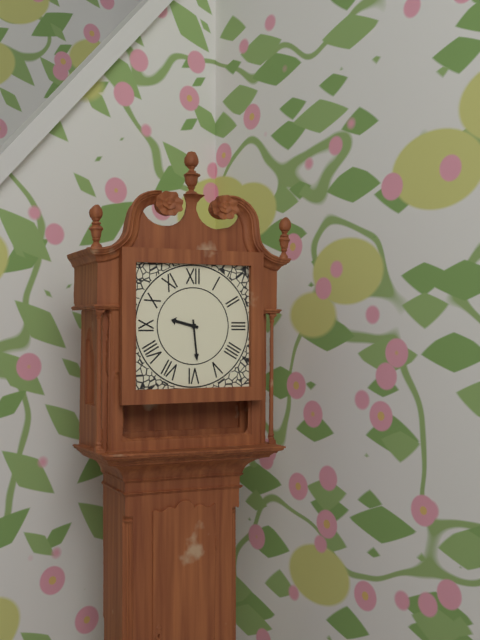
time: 9:29
